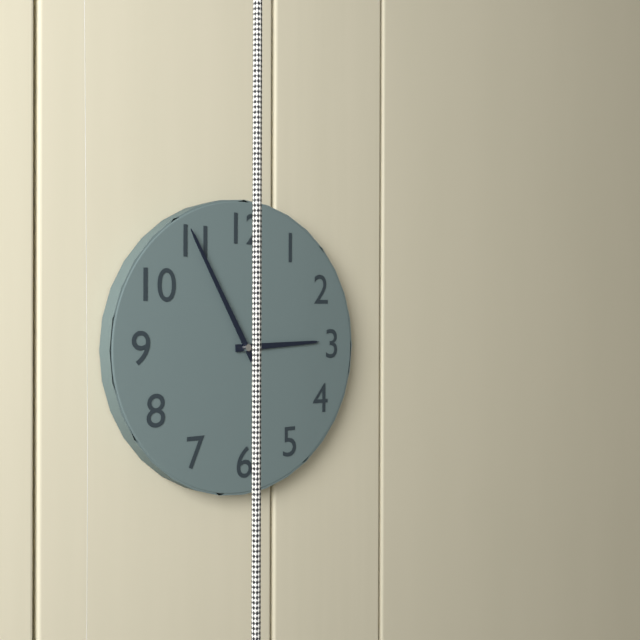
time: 2:55
